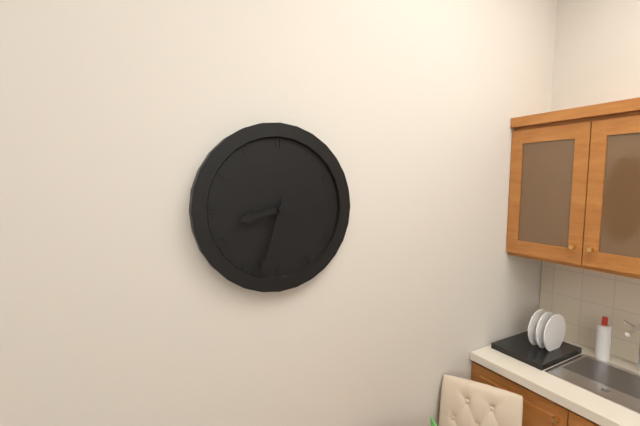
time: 8:33
